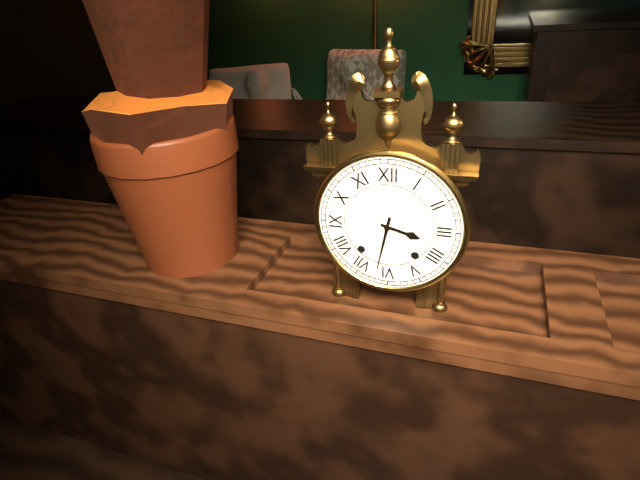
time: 3:32
